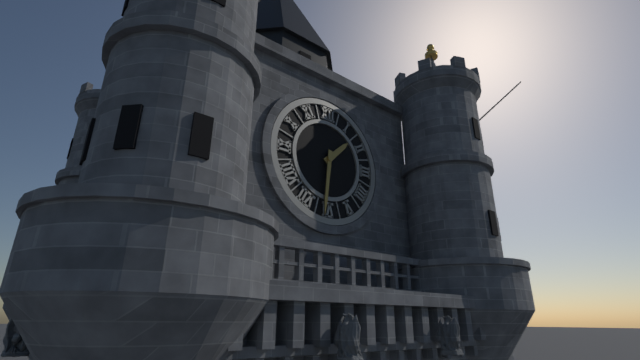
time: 1:31
